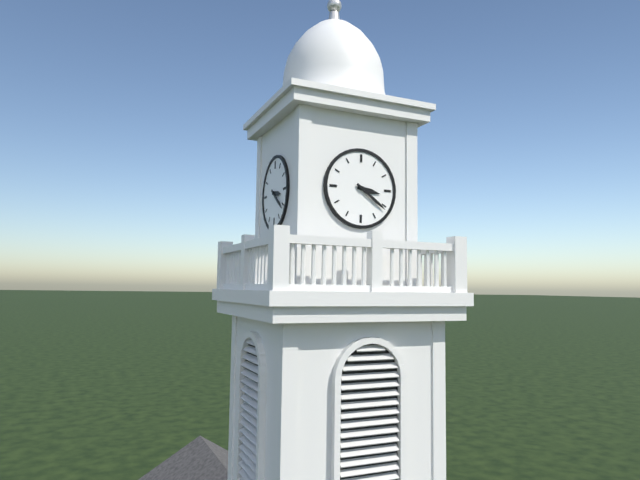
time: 3:21
